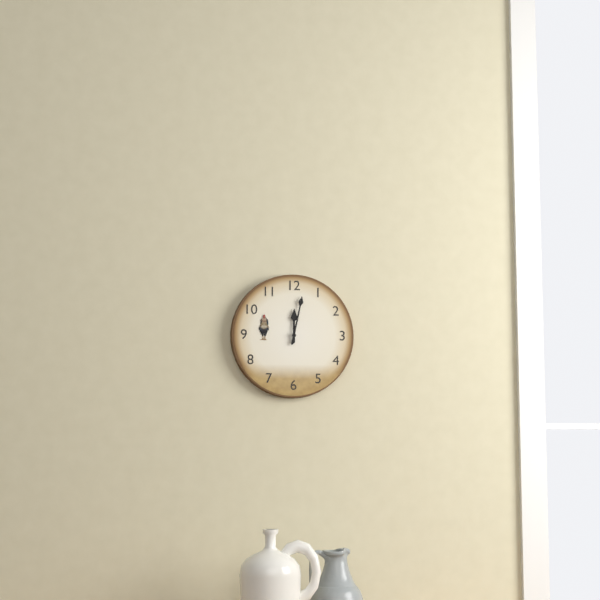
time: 12:02
